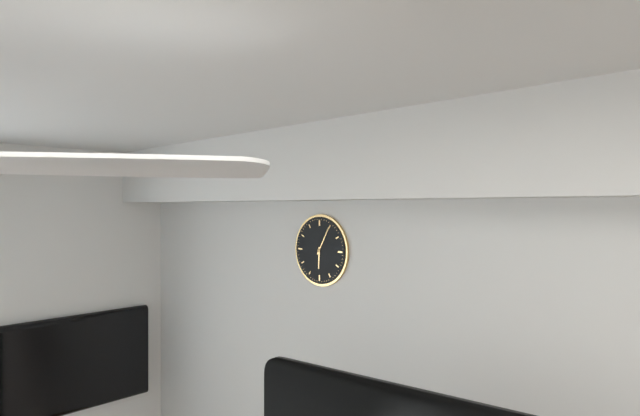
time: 6:05
